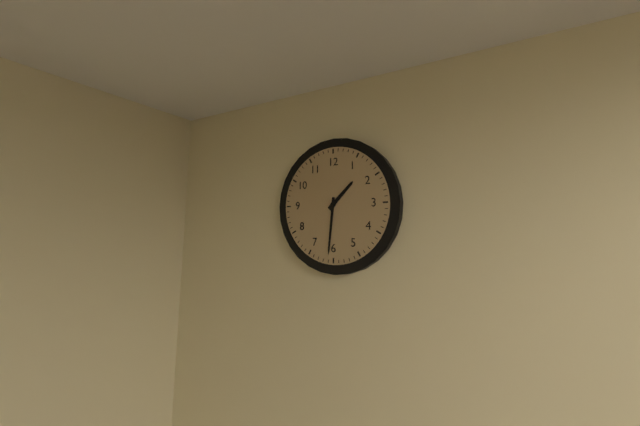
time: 1:31
